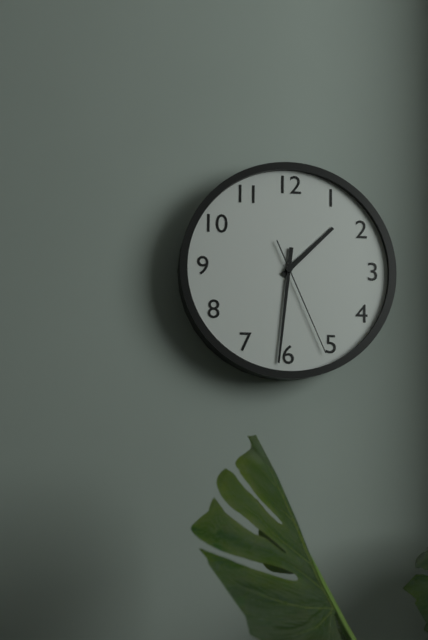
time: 1:31:26
